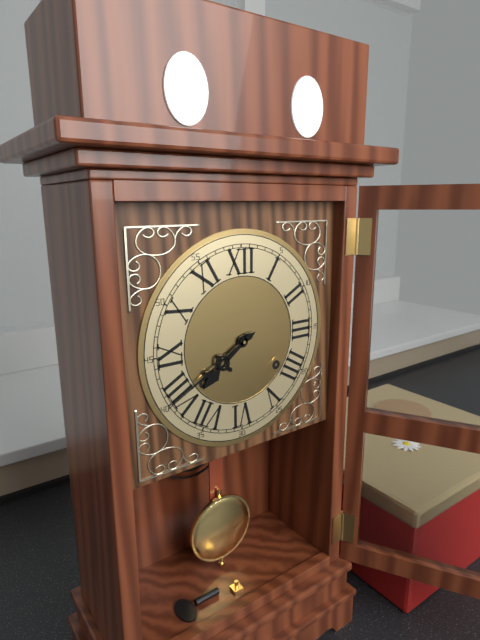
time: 7:40
